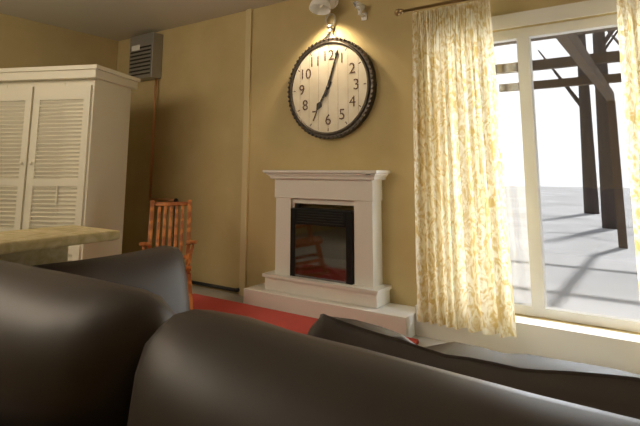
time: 7:03
